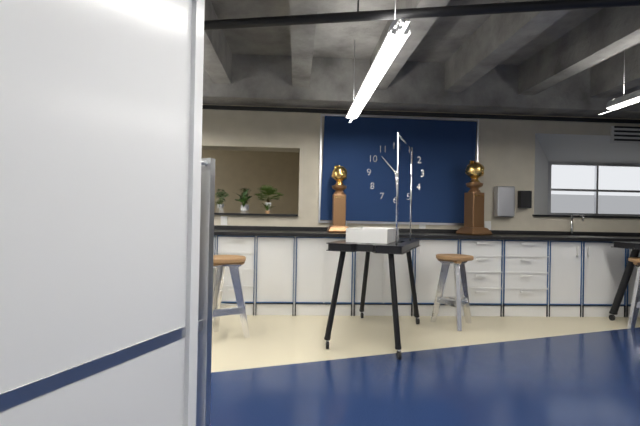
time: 5:53
